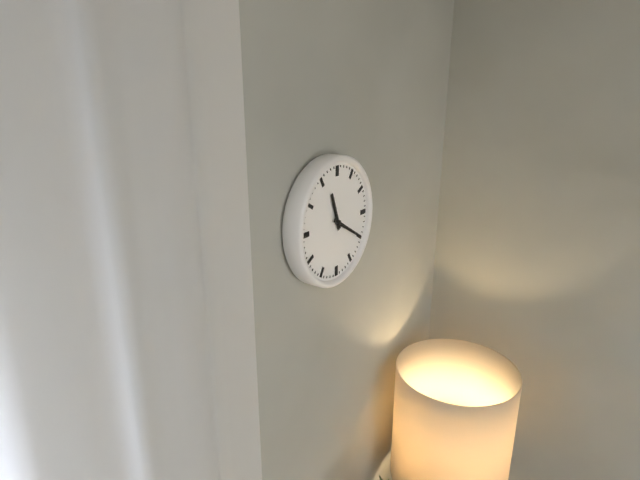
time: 11:20
